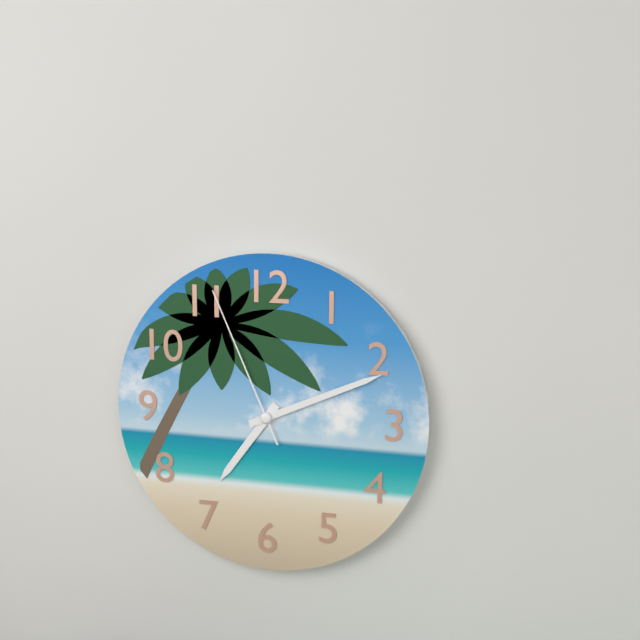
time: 7:11:56
